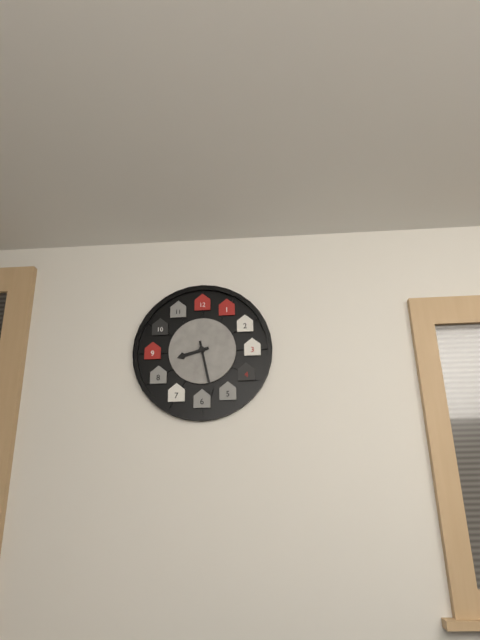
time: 8:28
